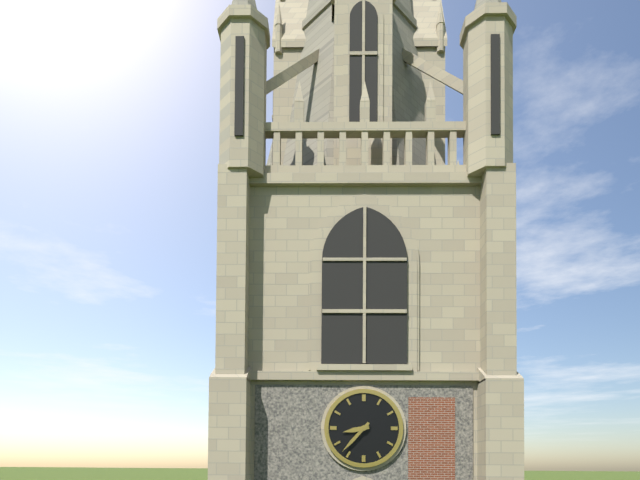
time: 8:37
